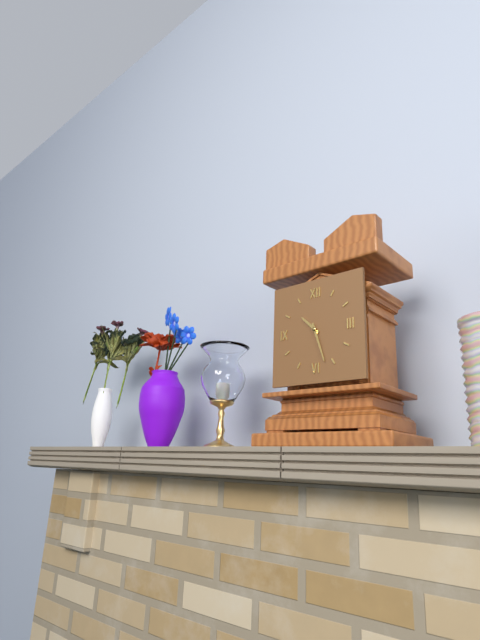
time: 10:27
